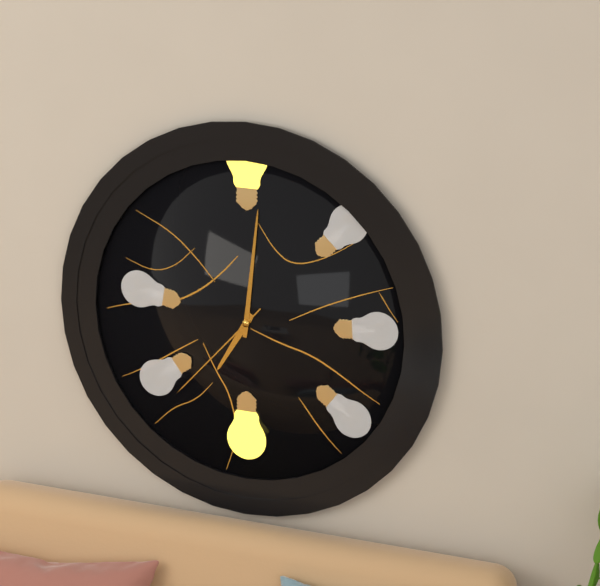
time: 7:01:37
